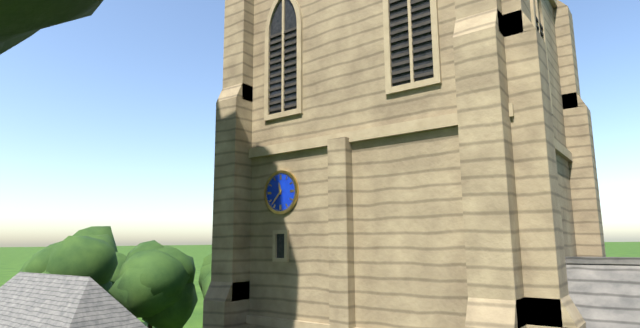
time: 11:37
